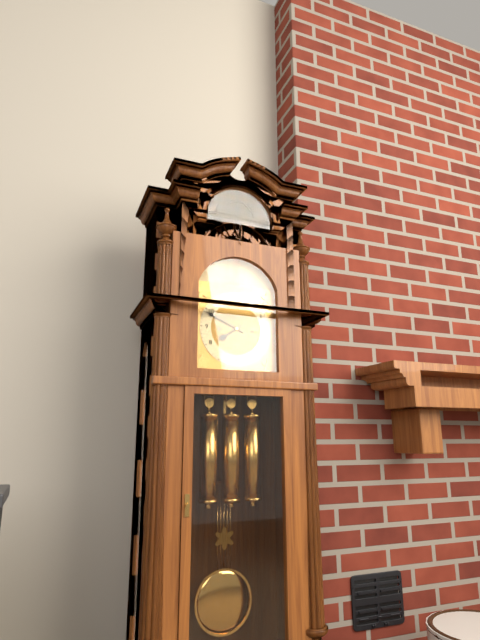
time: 7:49
